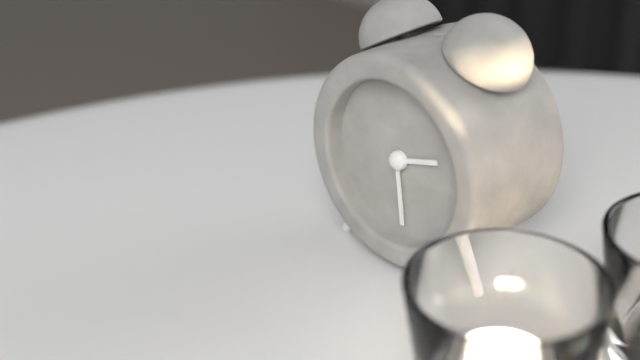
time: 2:29
